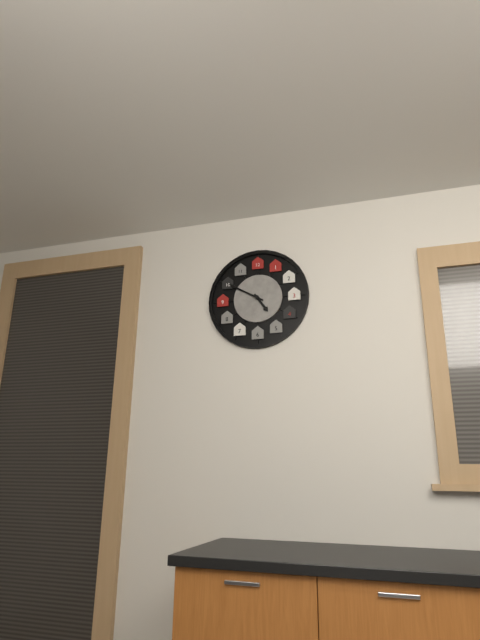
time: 4:50
